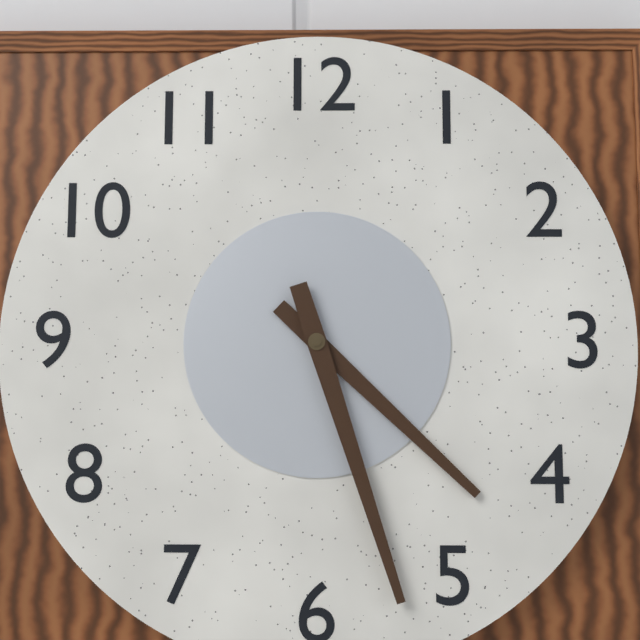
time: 4:27
